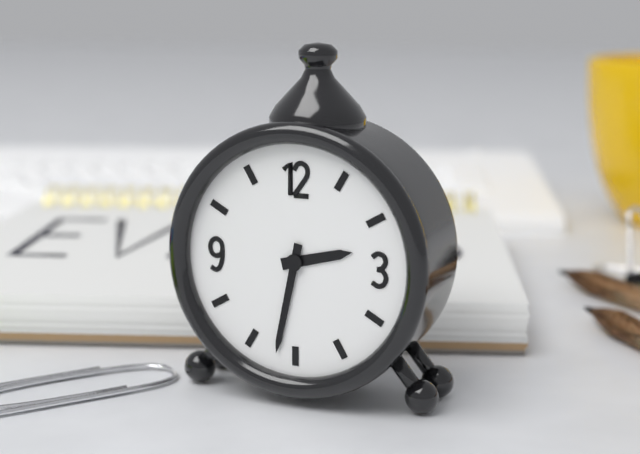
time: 2:32
